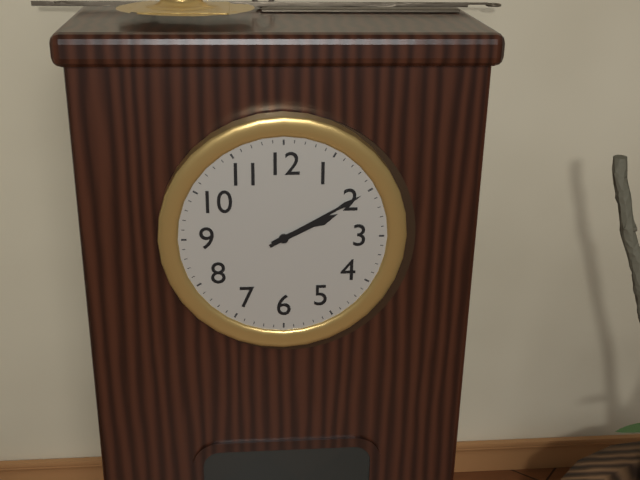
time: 2:10
